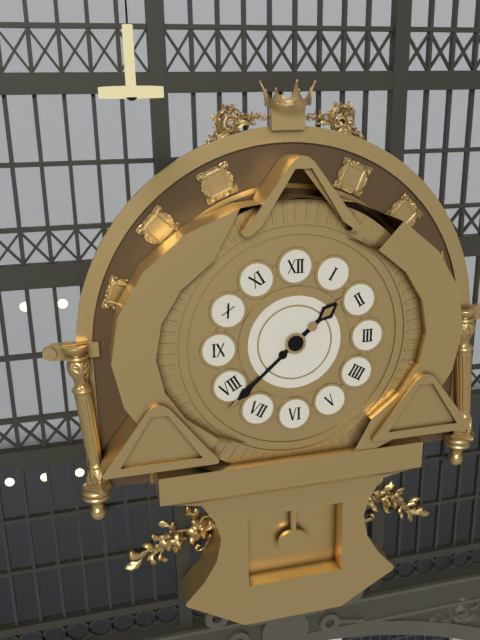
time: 1:38
